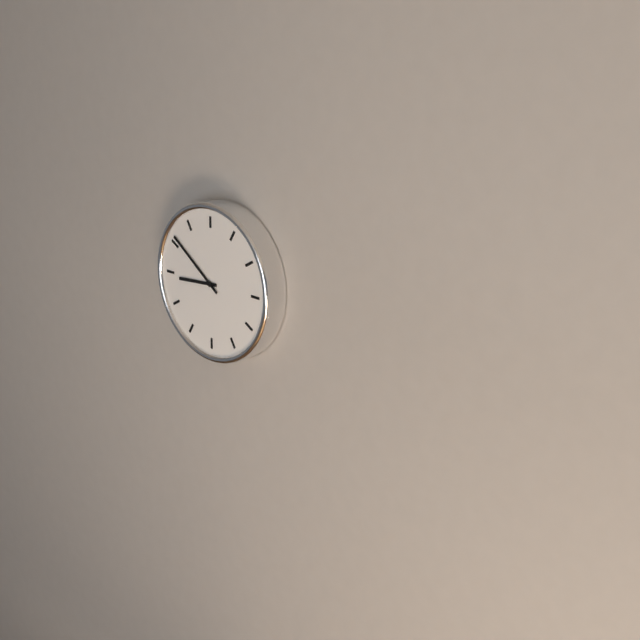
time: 8:51
